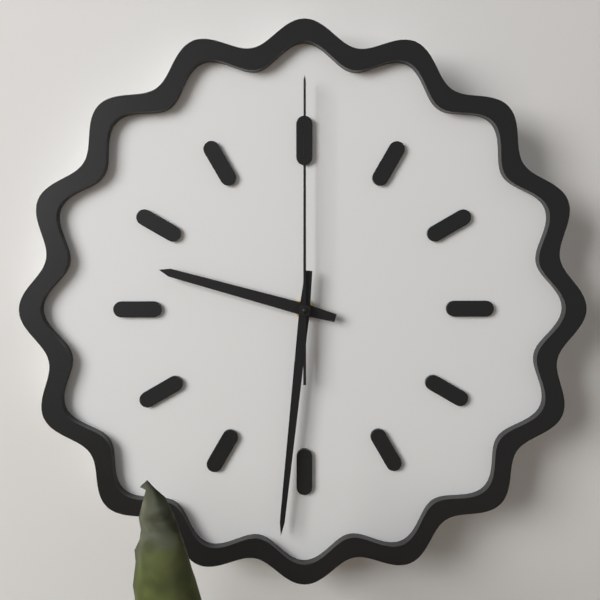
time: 9:31:00
